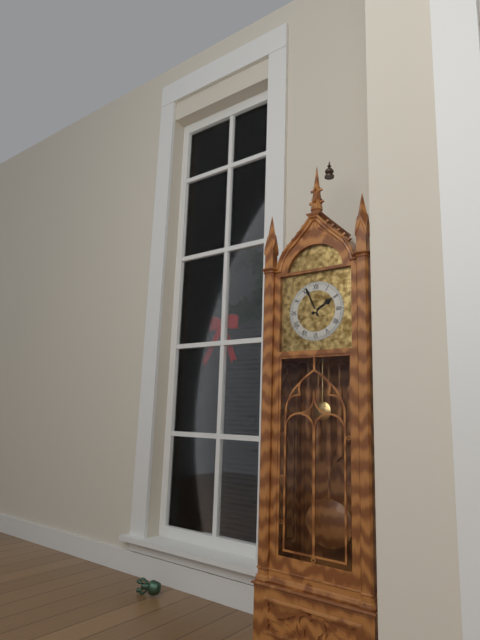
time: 1:56
